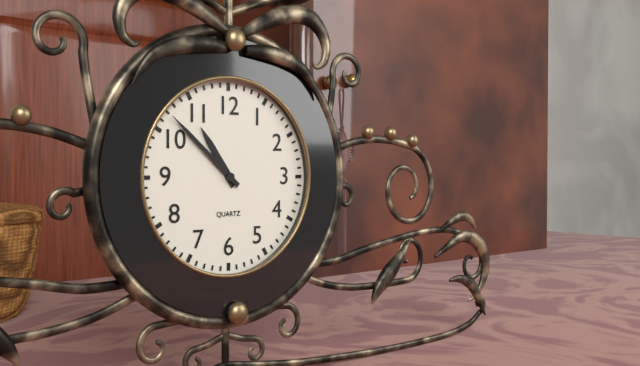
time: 10:52
